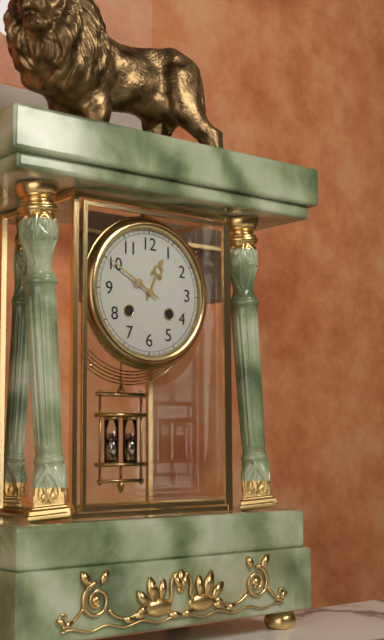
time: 12:50
